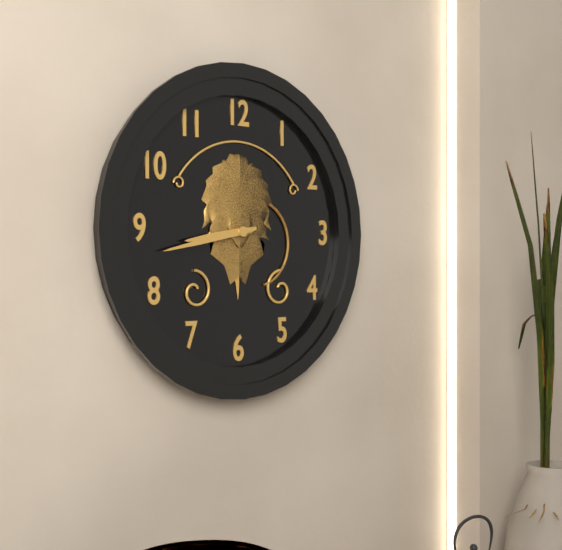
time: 8:43
